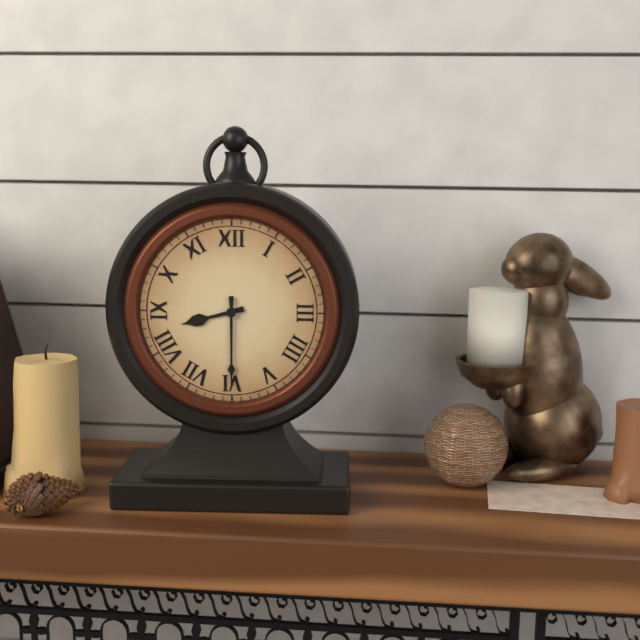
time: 8:30
